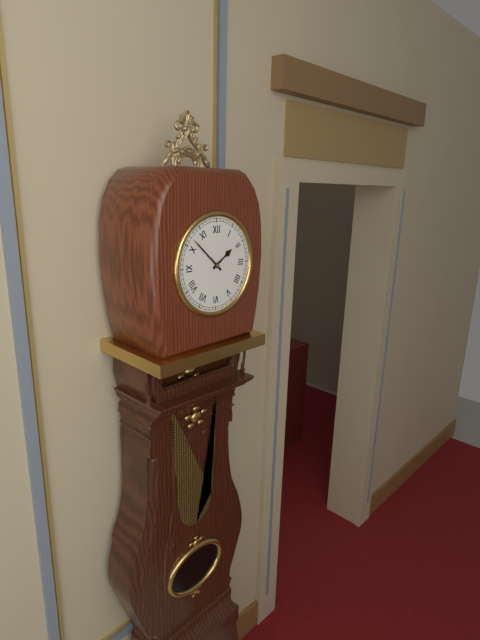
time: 1:52
